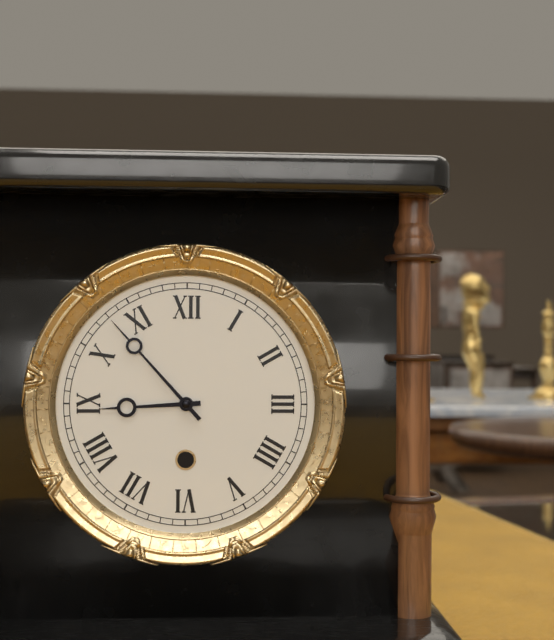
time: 8:53
